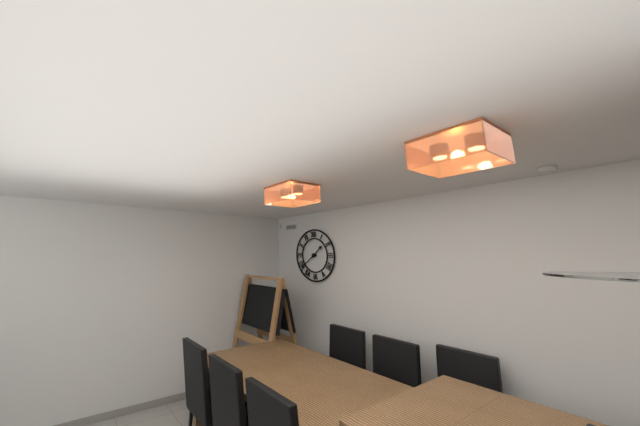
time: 1:39
